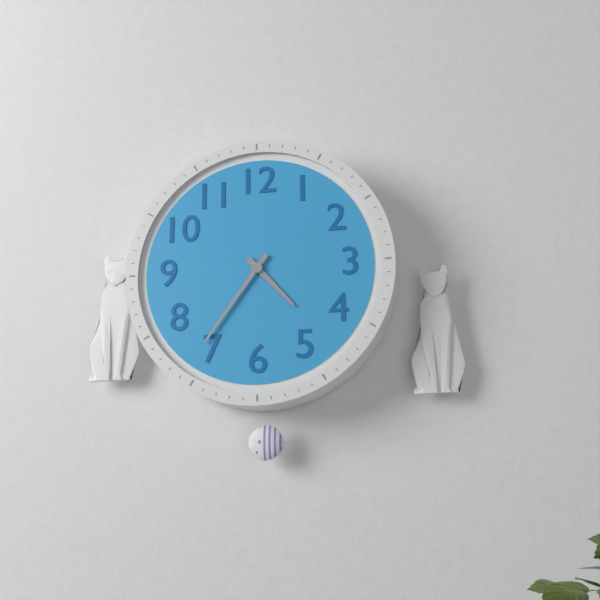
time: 4:36
